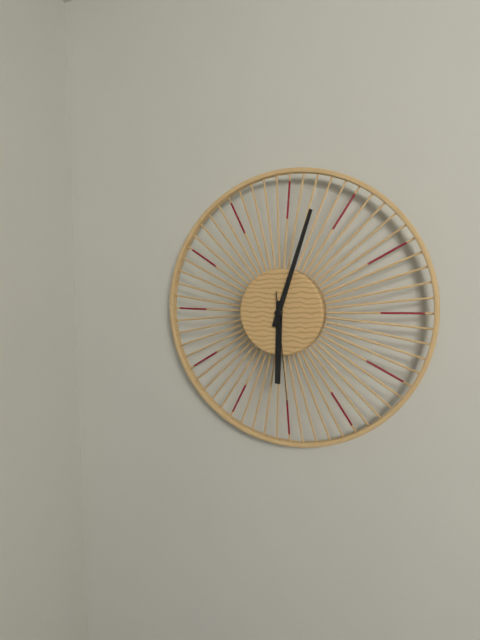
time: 6:03:29
